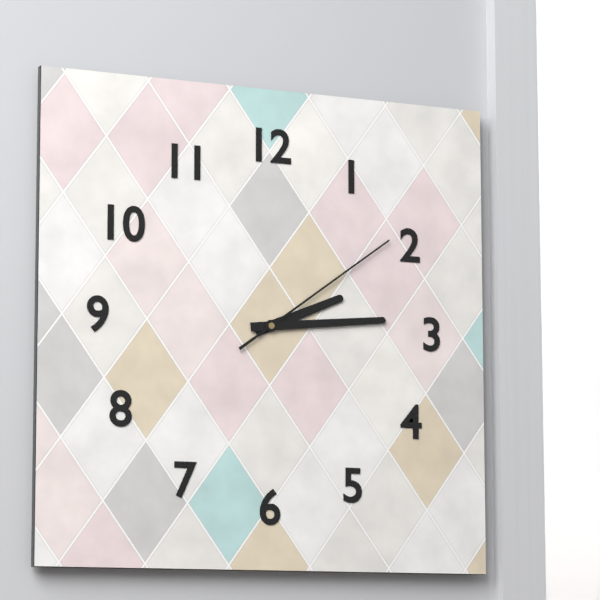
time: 2:14:09
